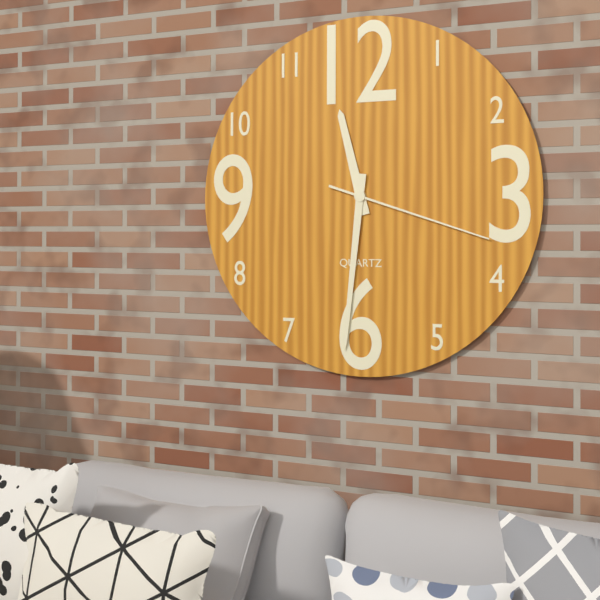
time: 11:31:18
